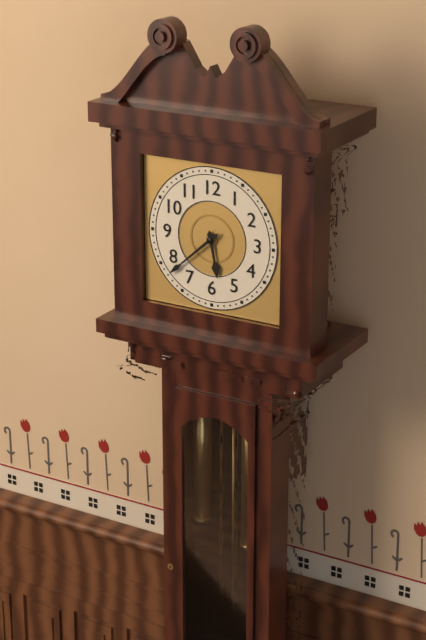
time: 5:38
